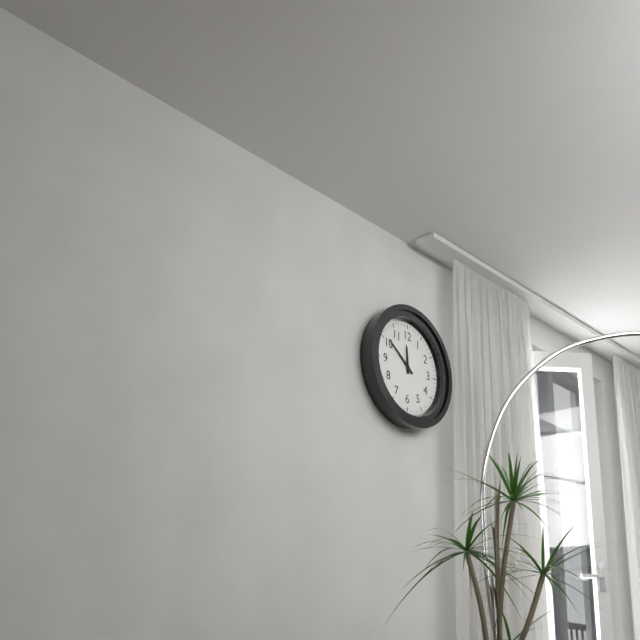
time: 11:51
